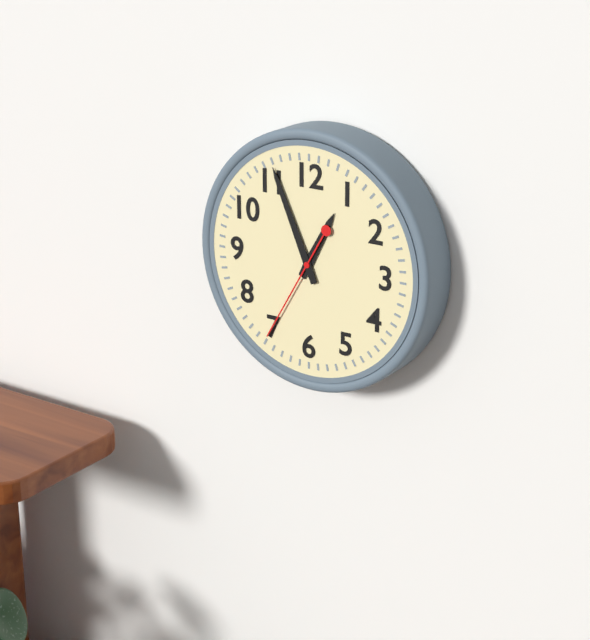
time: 12:56:35
